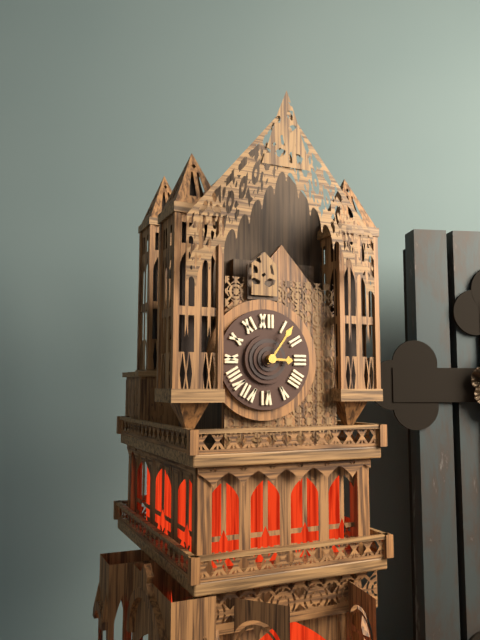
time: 3:06
